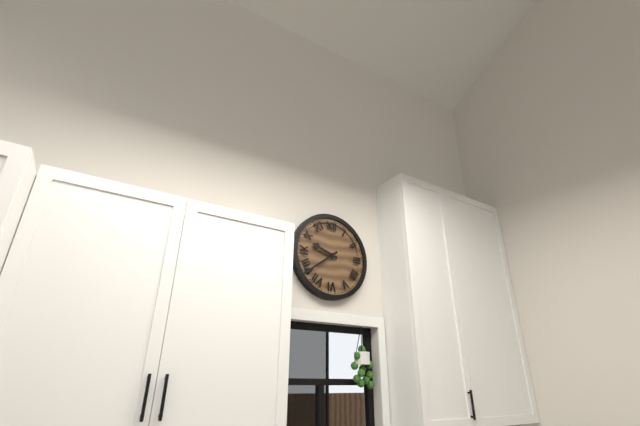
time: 9:39
